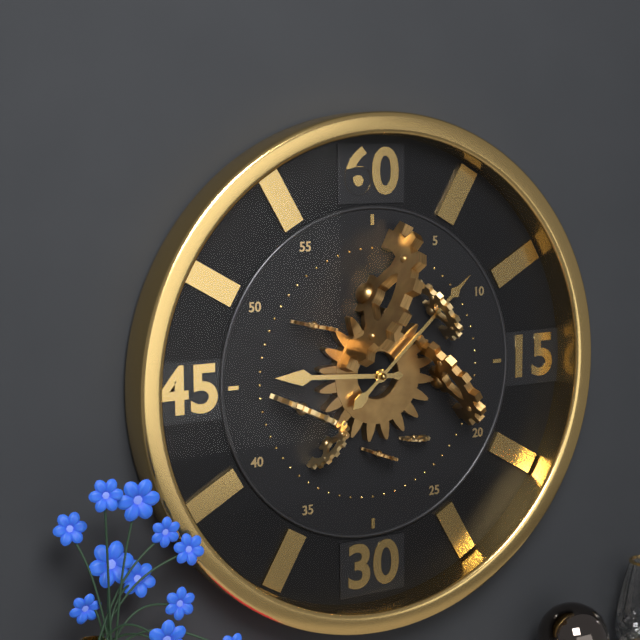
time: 9:08
